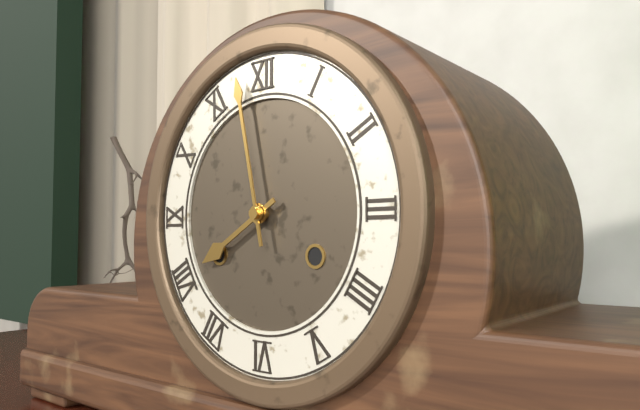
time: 7:58
